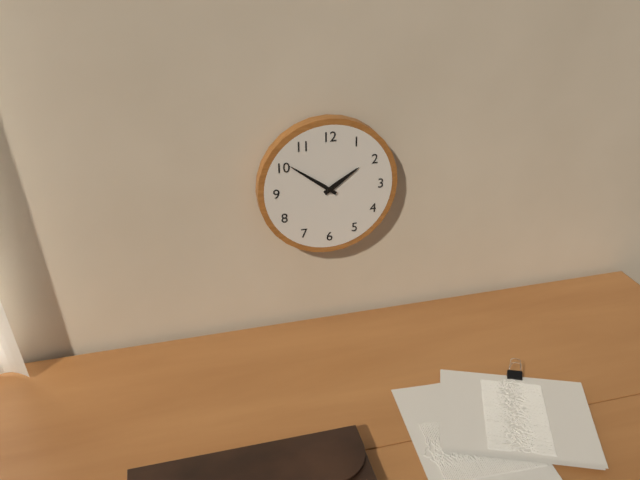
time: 1:51
